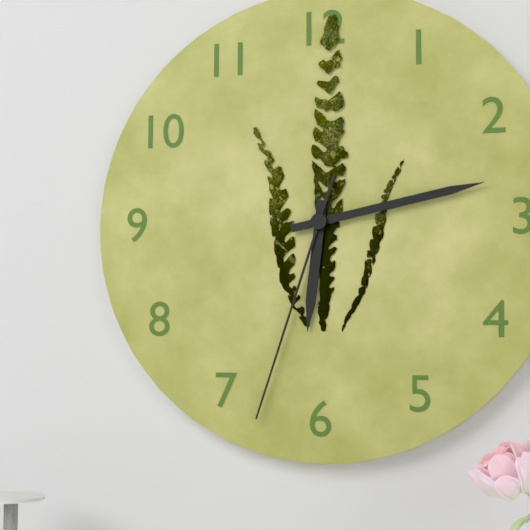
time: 6:13:33
